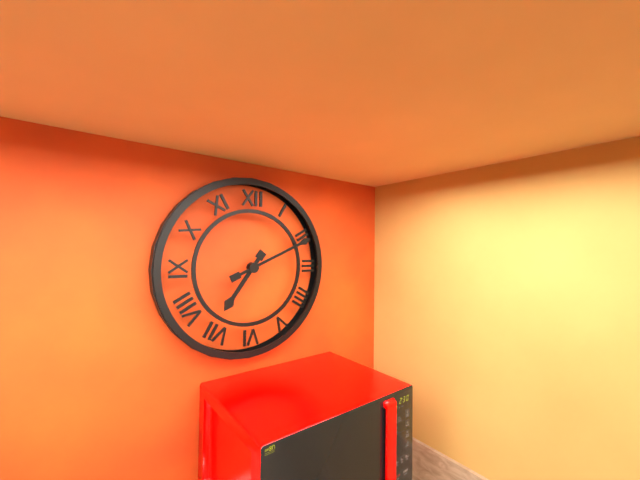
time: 7:11
